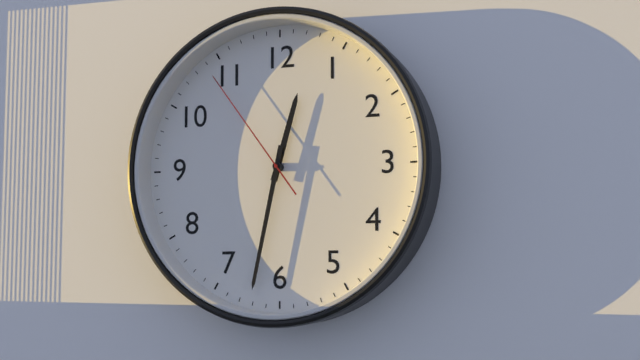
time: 12:32:54
